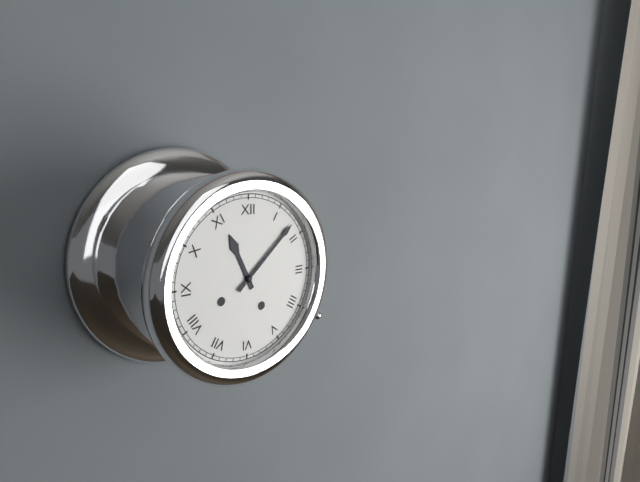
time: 11:08
